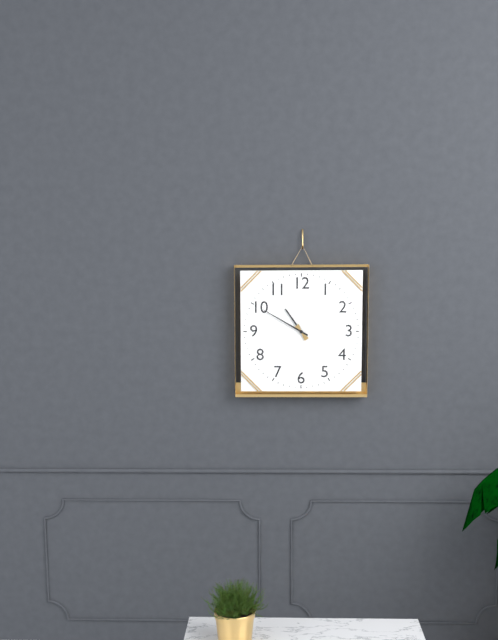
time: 10:50
